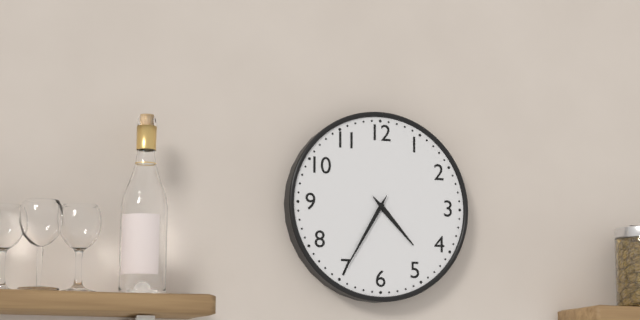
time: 4:35
